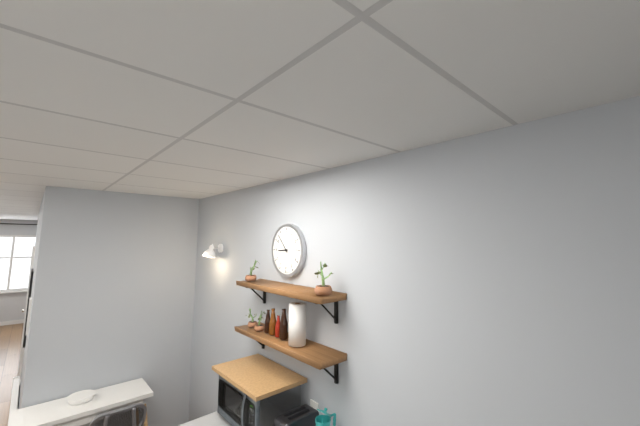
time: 8:53
